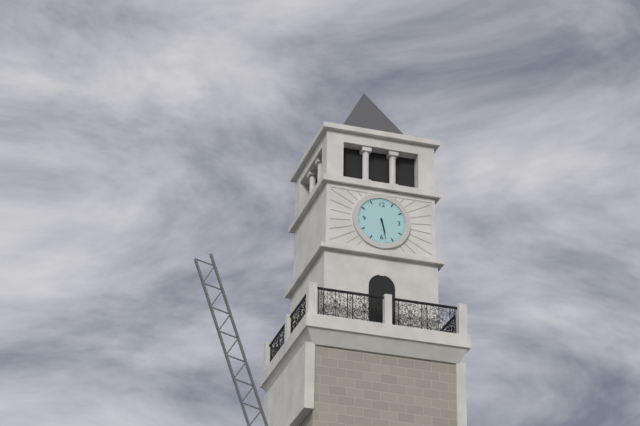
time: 5:28
